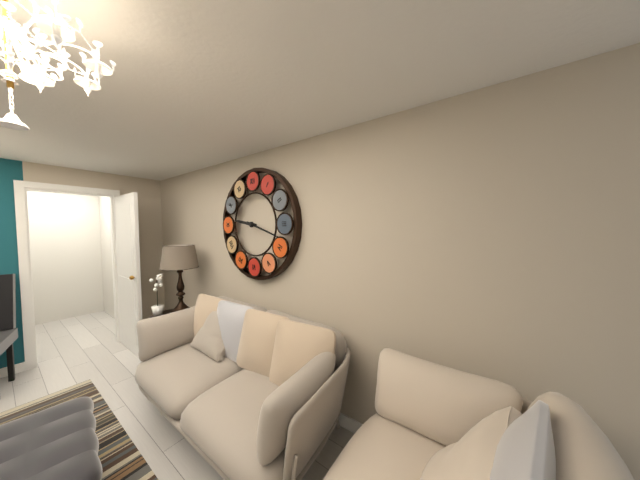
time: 9:18
